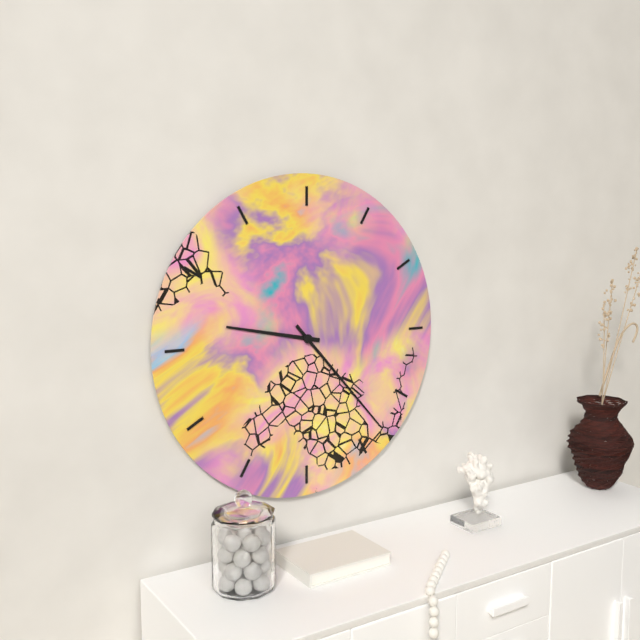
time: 9:23
